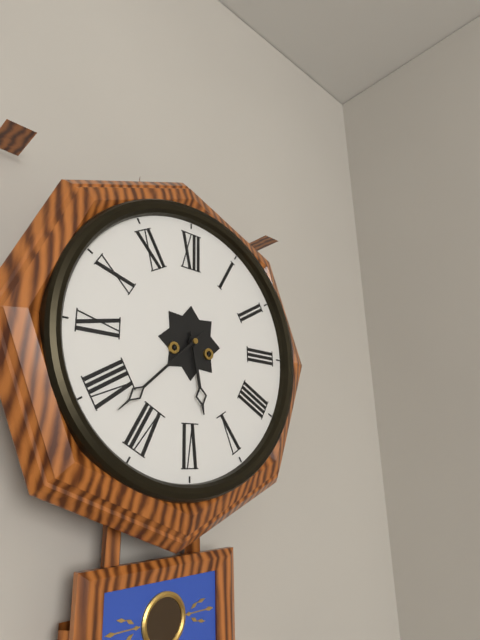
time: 5:38
